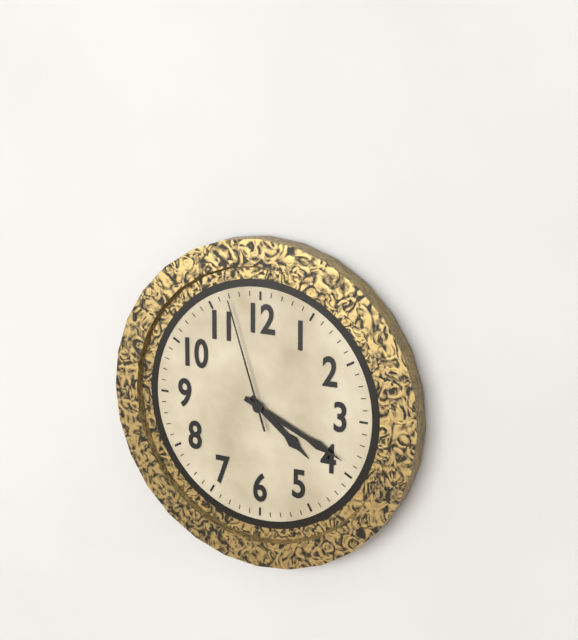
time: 4:19:57
